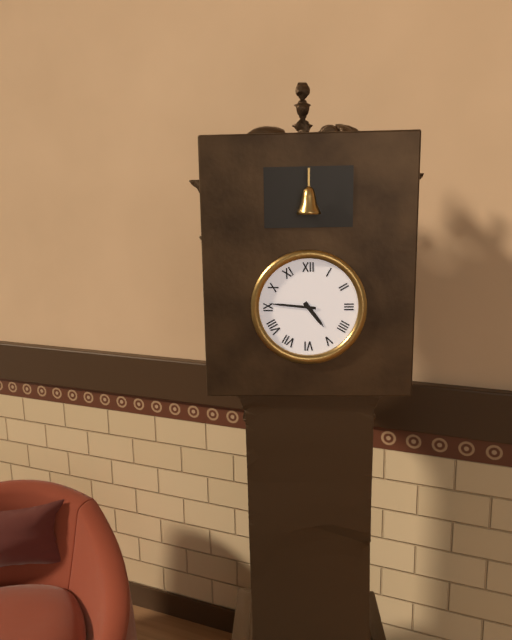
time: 4:46
